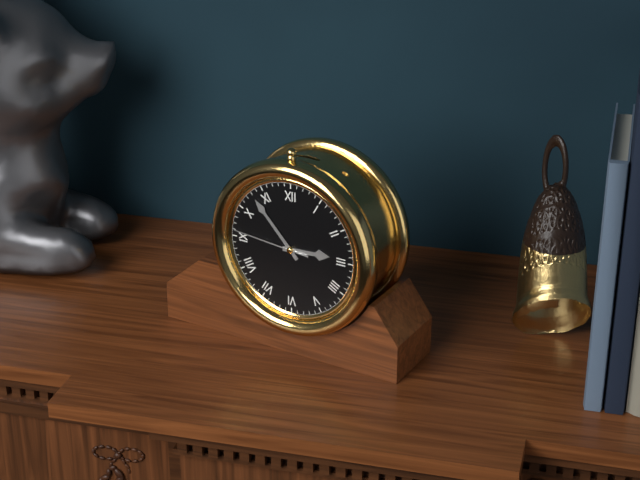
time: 2:53:46
